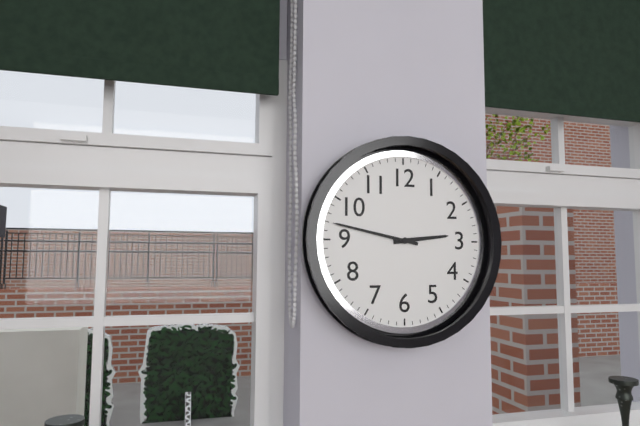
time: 2:47
